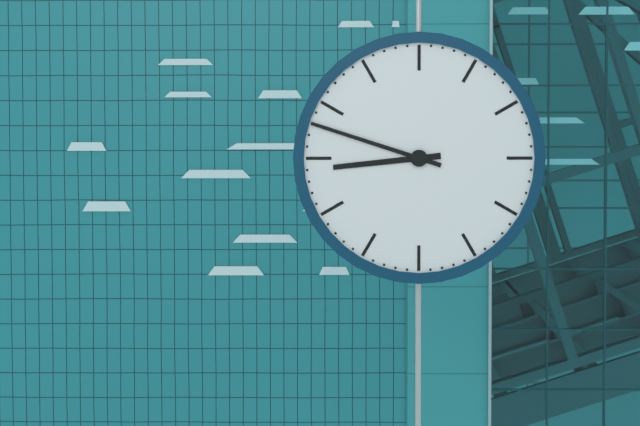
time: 8:48
